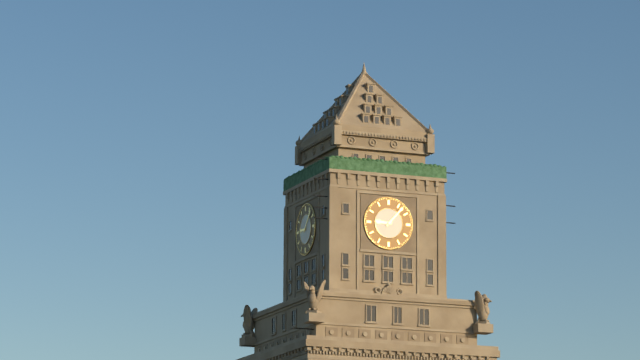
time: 9:07
